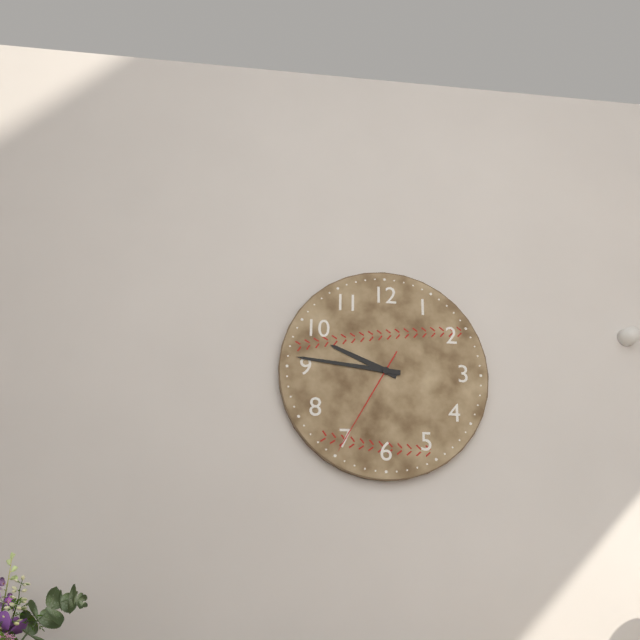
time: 9:46:35
